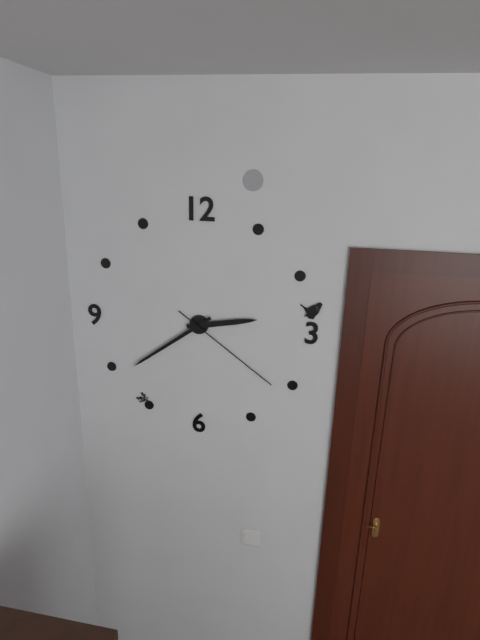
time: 2:39:21
